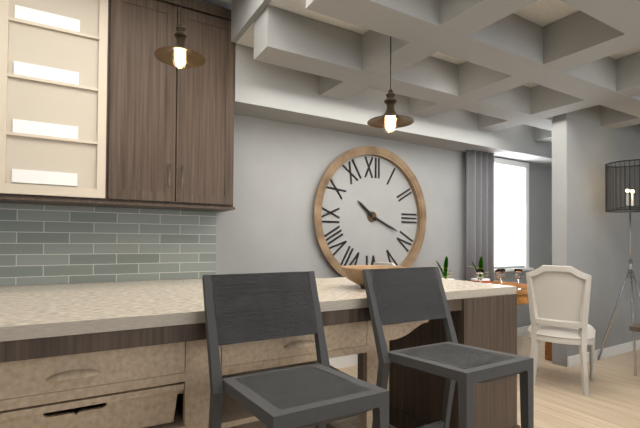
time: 10:19
